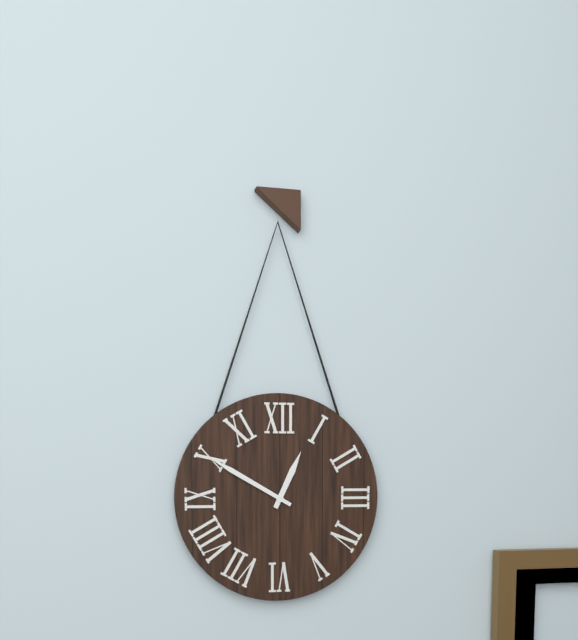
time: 12:50
